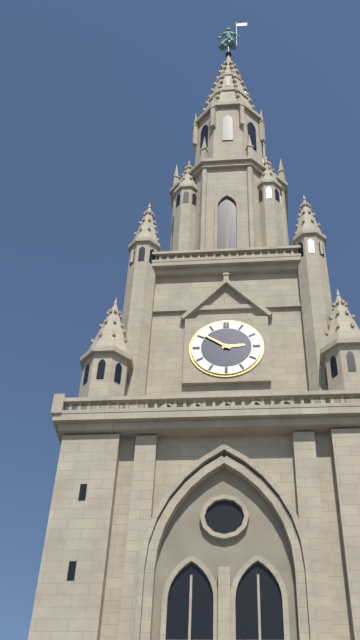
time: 2:51
